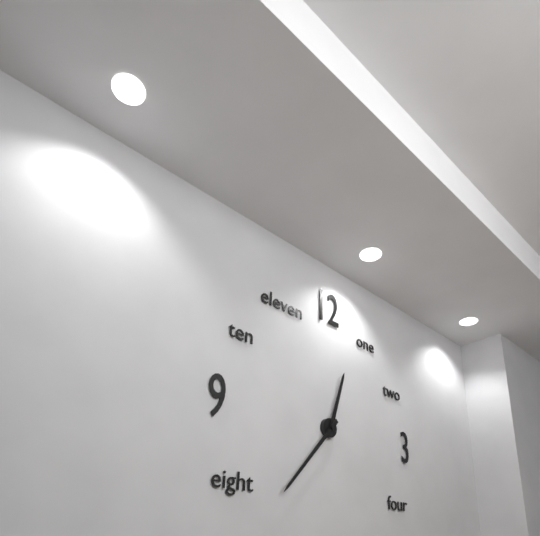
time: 12:37
